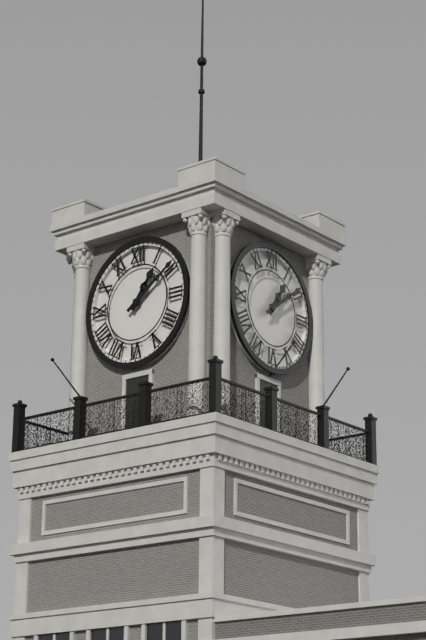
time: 1:09
